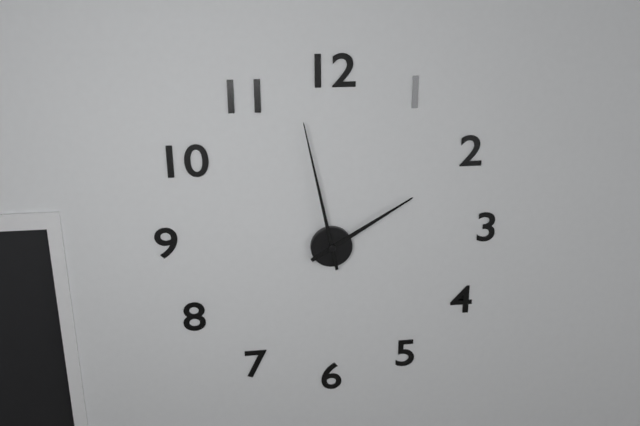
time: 1:58
